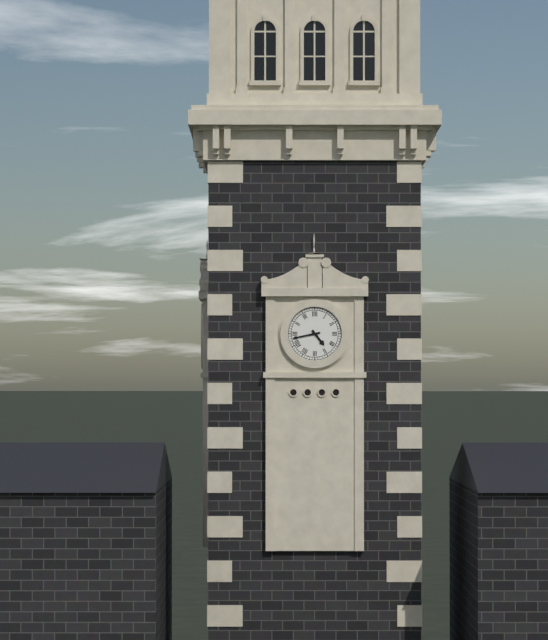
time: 4:43
